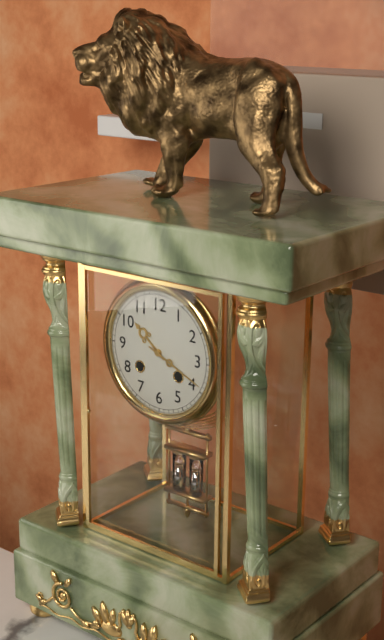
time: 10:19
